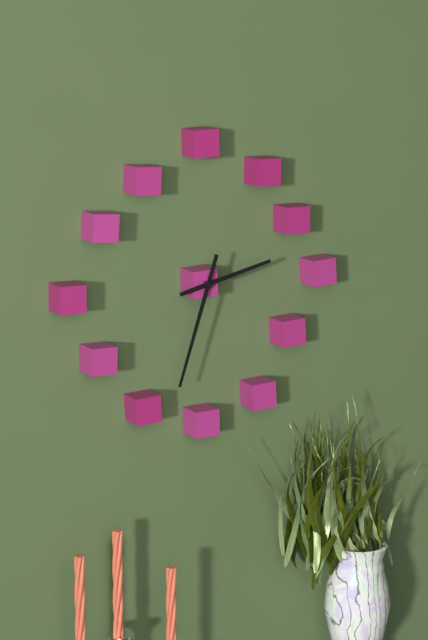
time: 2:33
